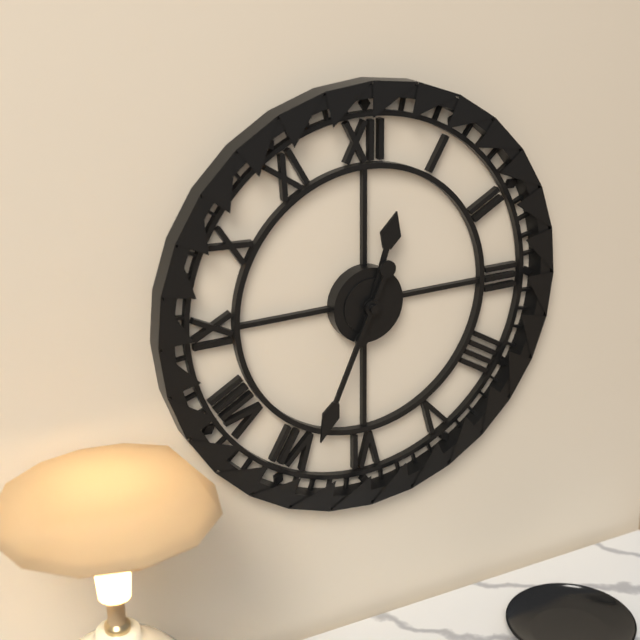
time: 12:34
